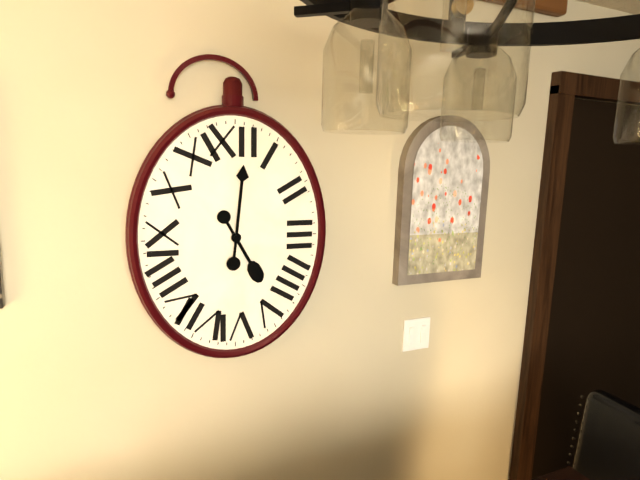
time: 5:01
